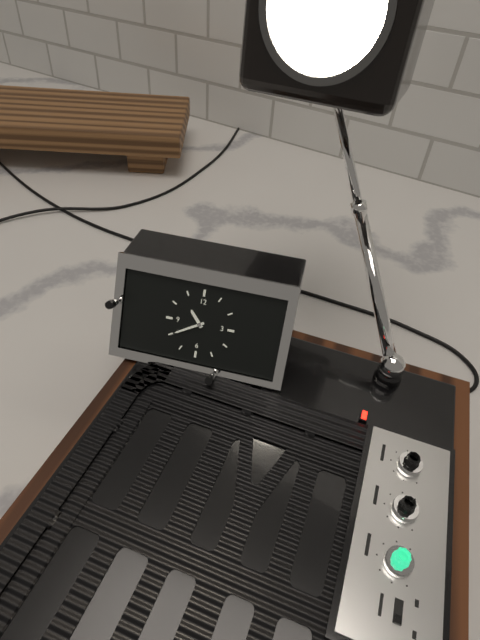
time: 10:40
